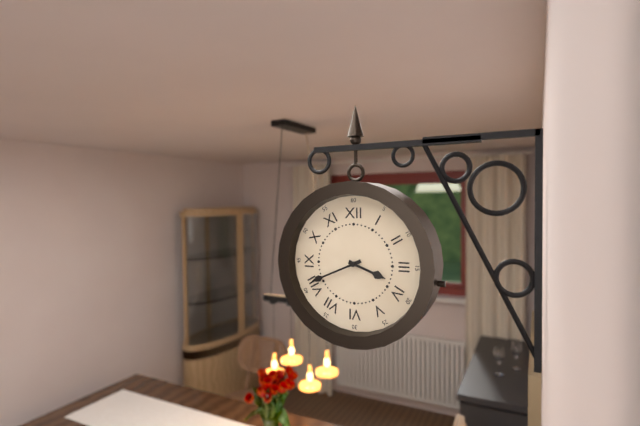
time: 3:41
